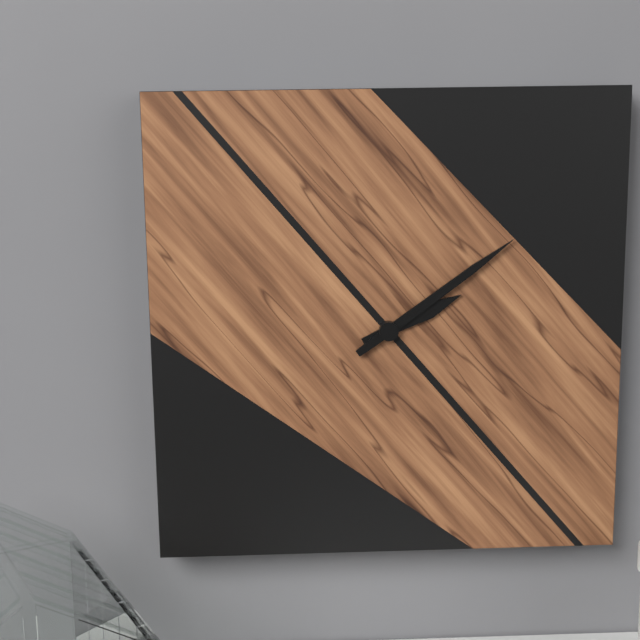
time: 2:09
